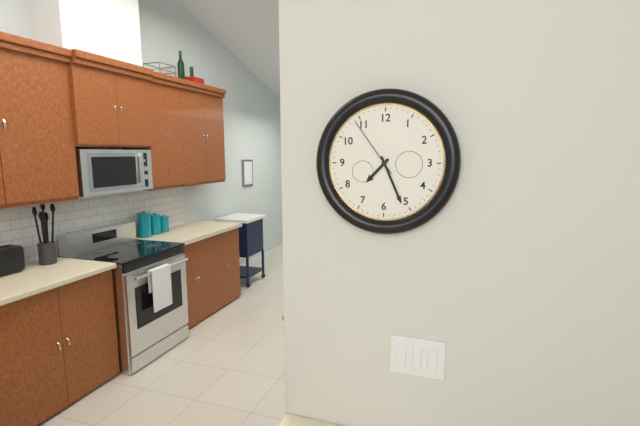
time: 7:26:54
